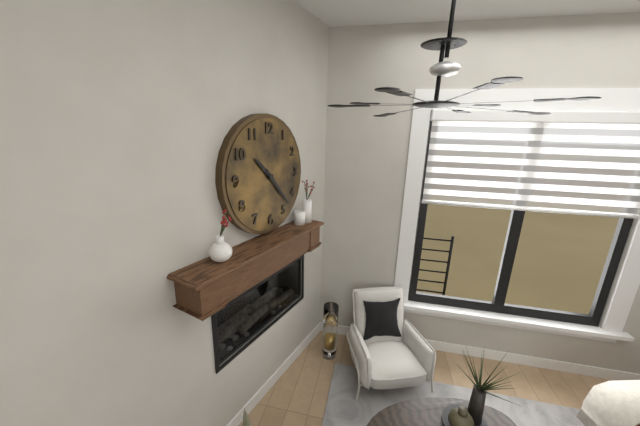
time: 10:23
